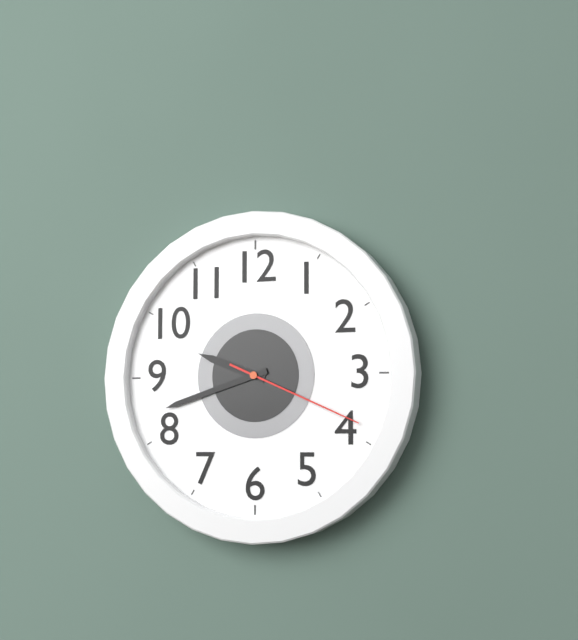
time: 9:42:19
